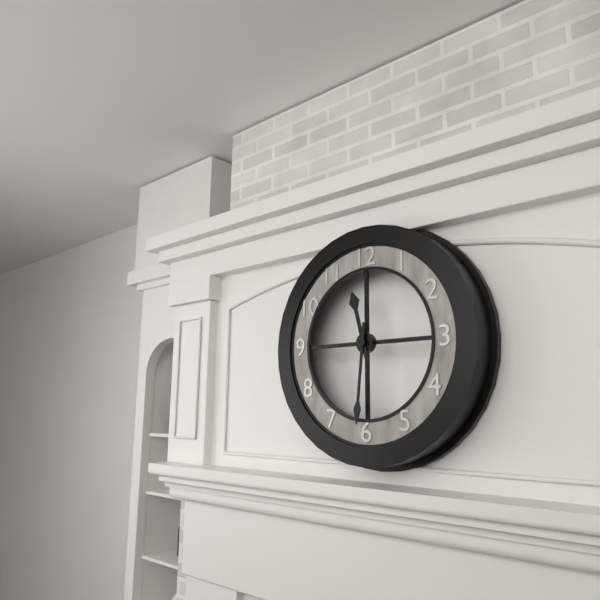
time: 11:31
